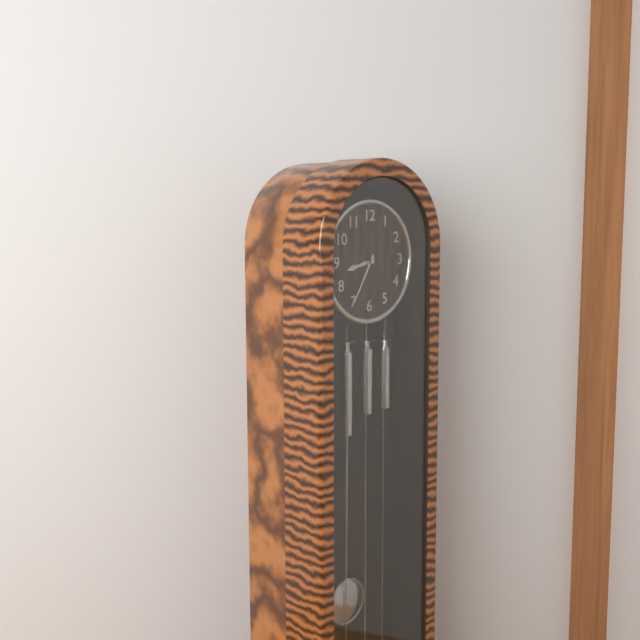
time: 8:35
